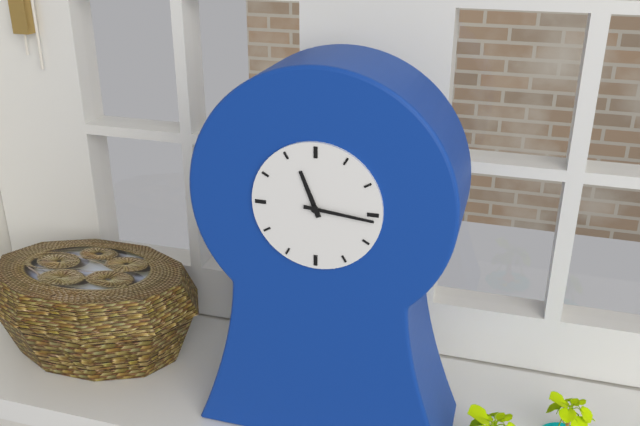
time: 11:16
